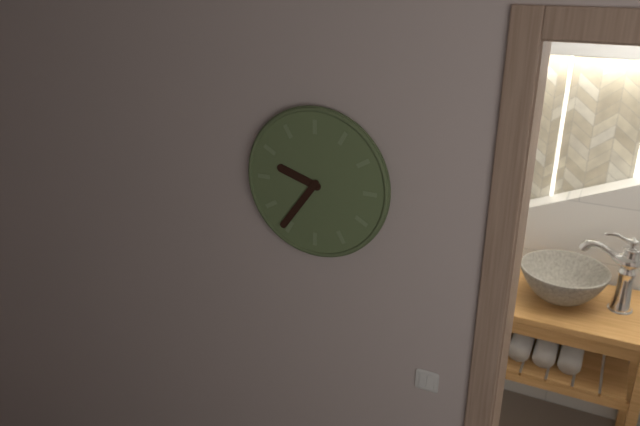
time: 9:36
